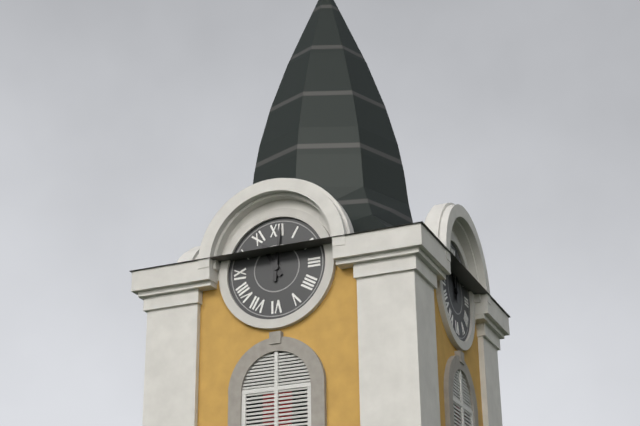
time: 11:01
